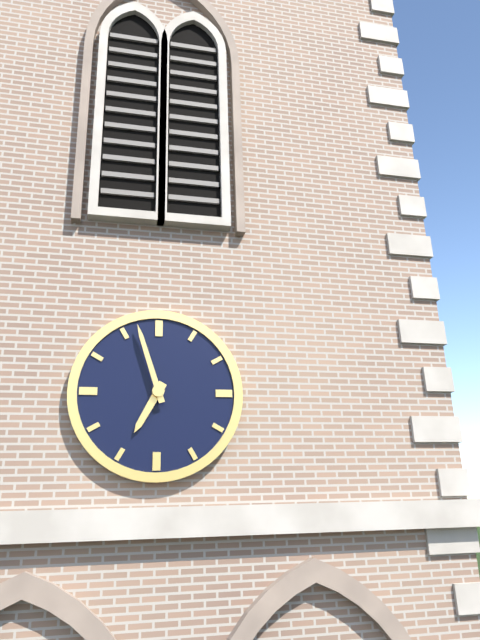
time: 6:57
